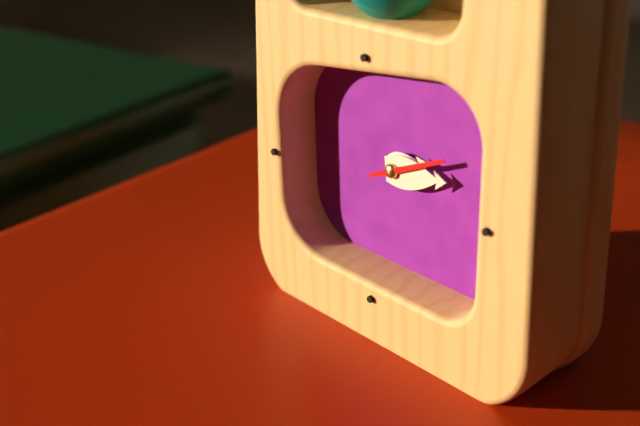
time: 2:14:11
